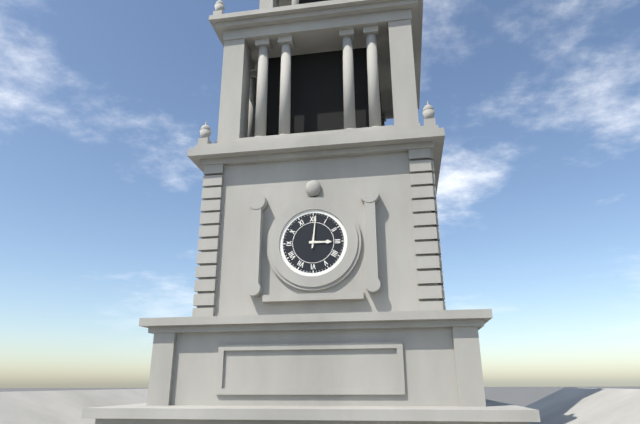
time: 3:01
